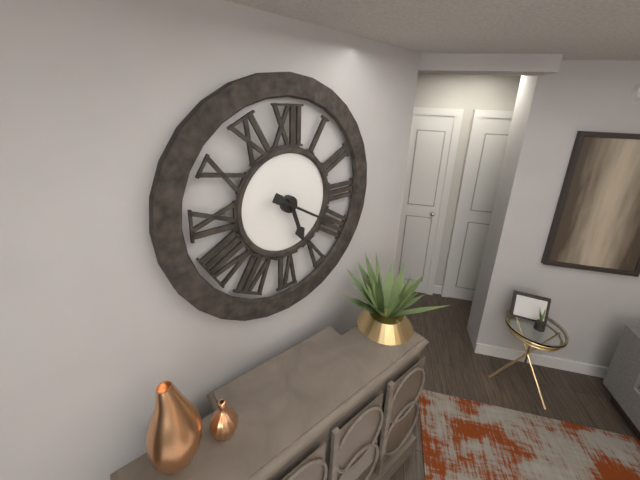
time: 5:20
